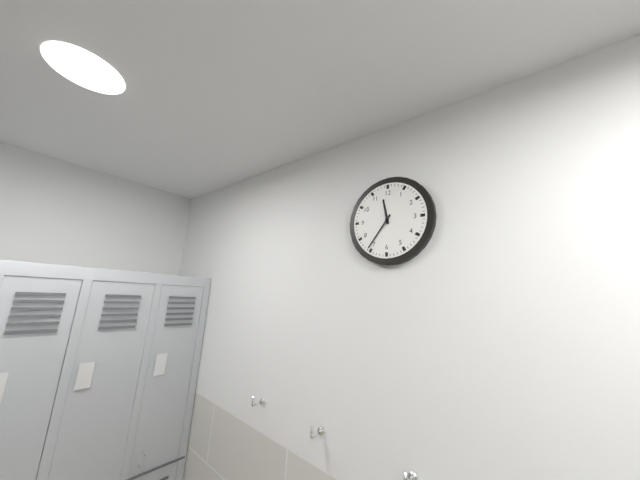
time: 11:36
